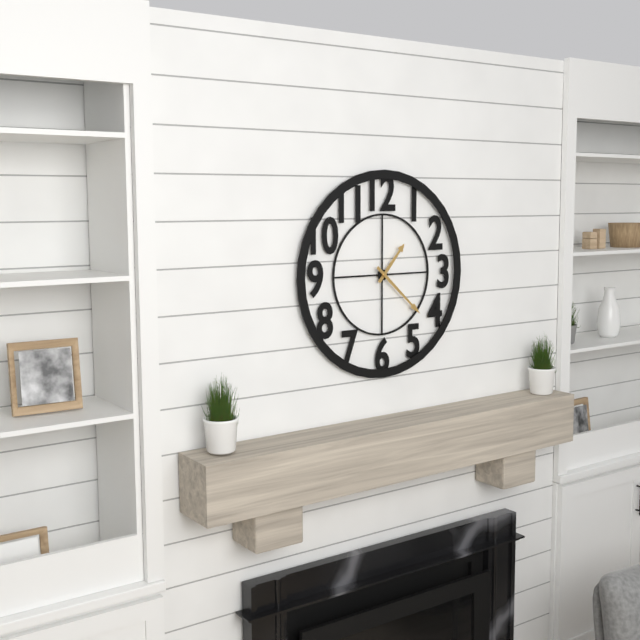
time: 1:22
